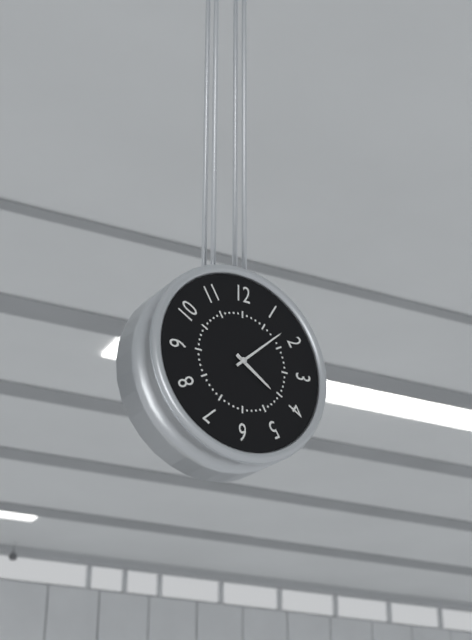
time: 4:08
